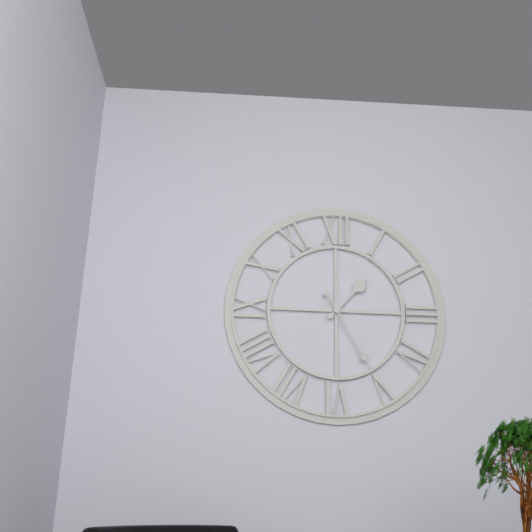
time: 1:25
